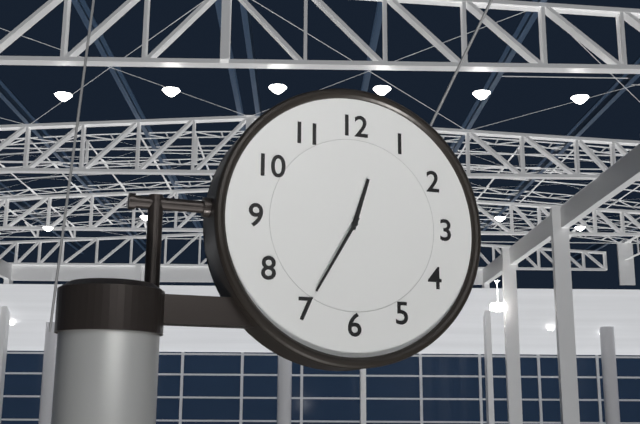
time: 12:35
